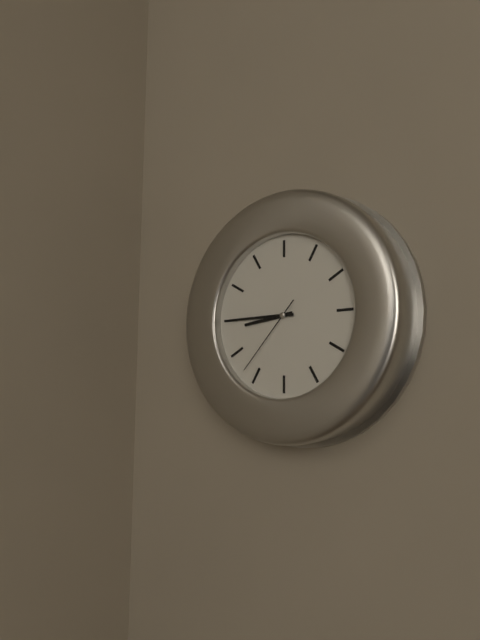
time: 8:45:37
